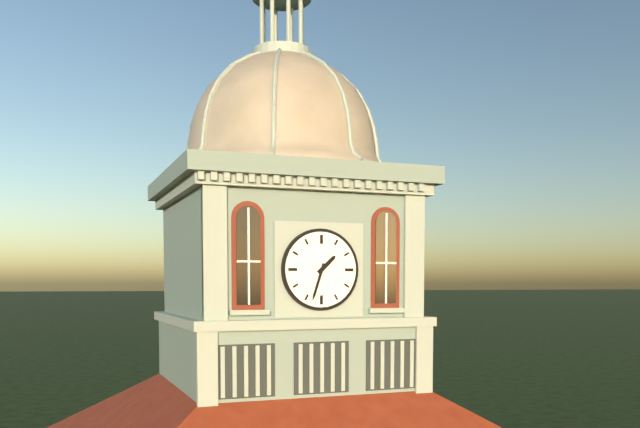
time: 1:33
